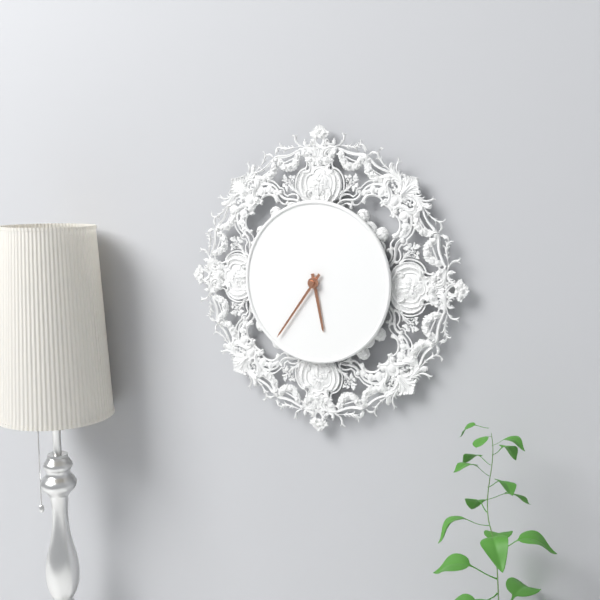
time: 5:36
